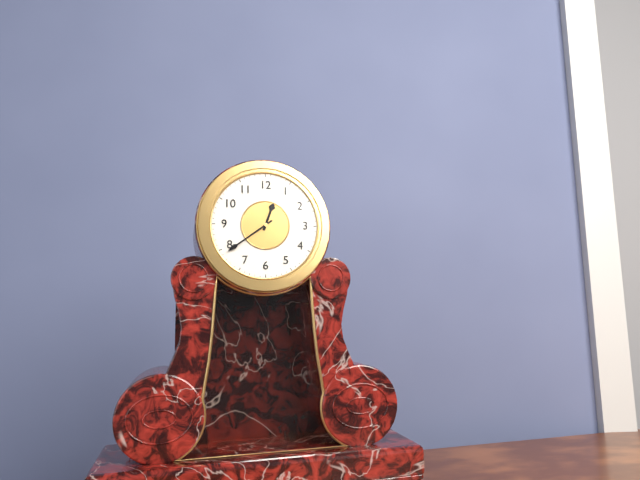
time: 12:39
